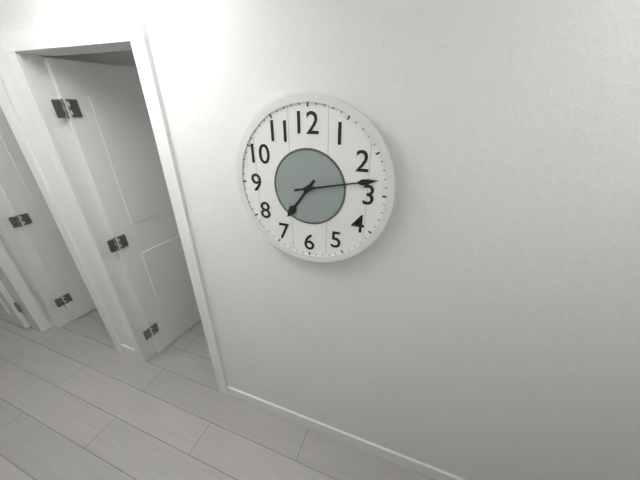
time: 7:13
